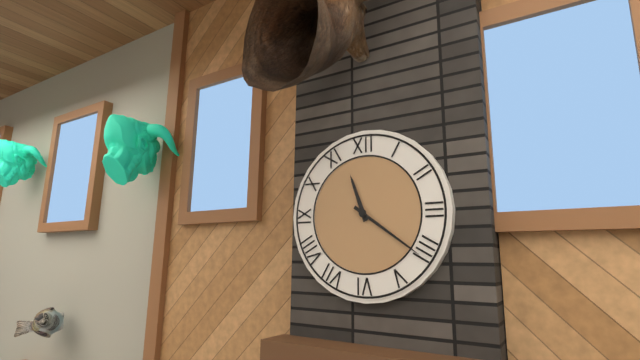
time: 11:21
